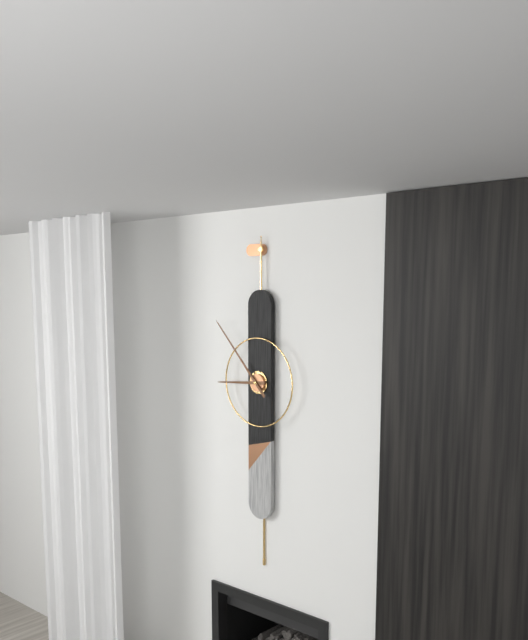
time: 8:53
